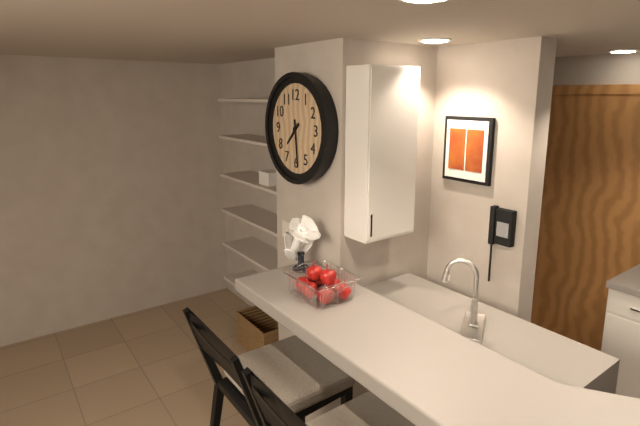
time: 7:29
